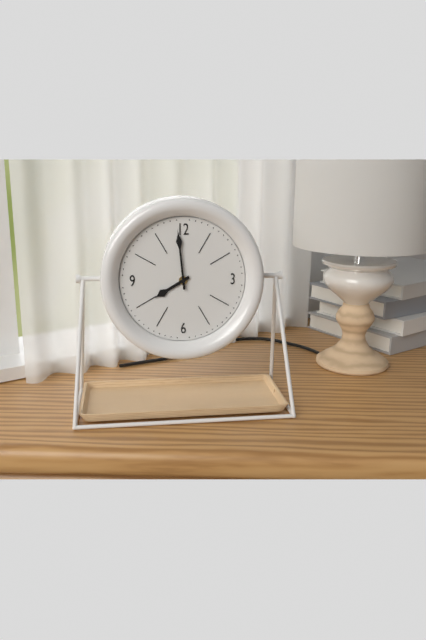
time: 7:59
